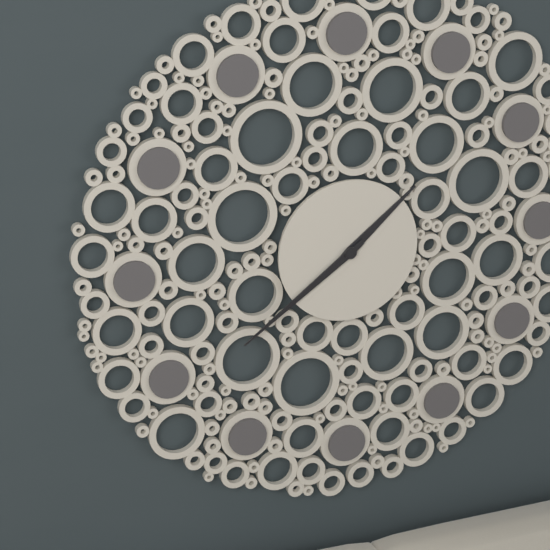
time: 1:39
